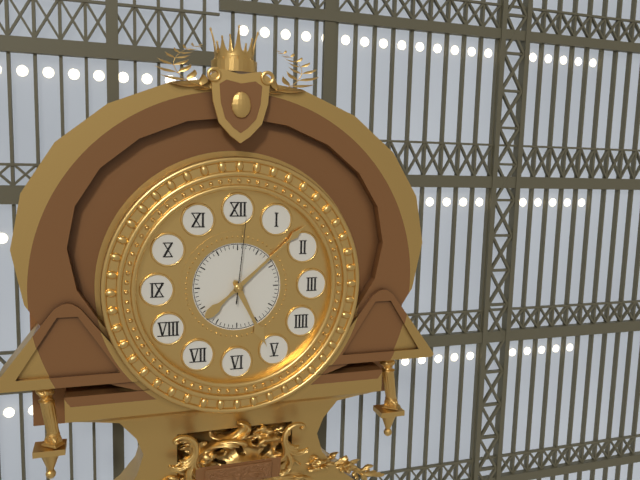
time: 5:08:01
